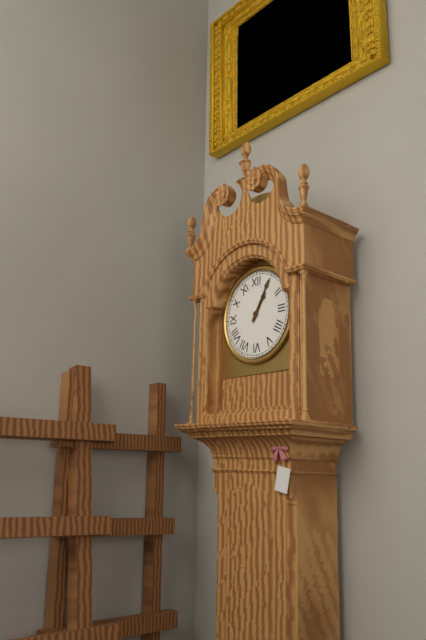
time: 1:05
